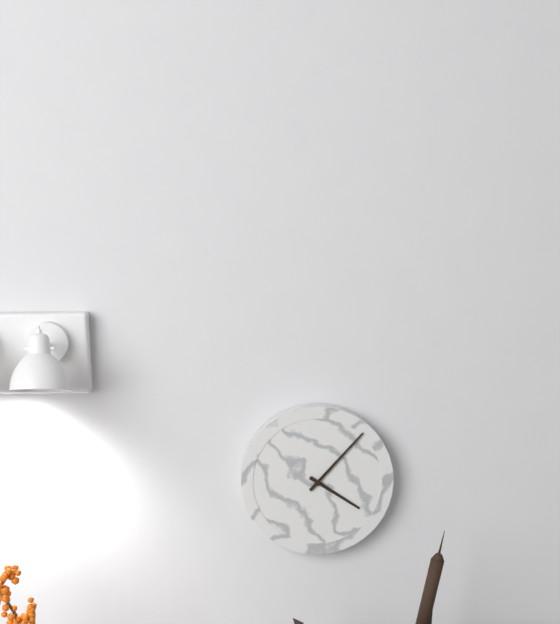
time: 4:07
